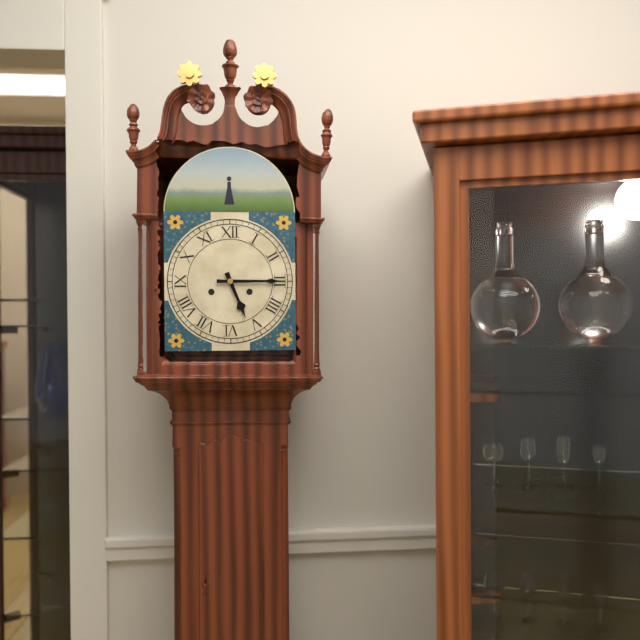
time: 5:15
